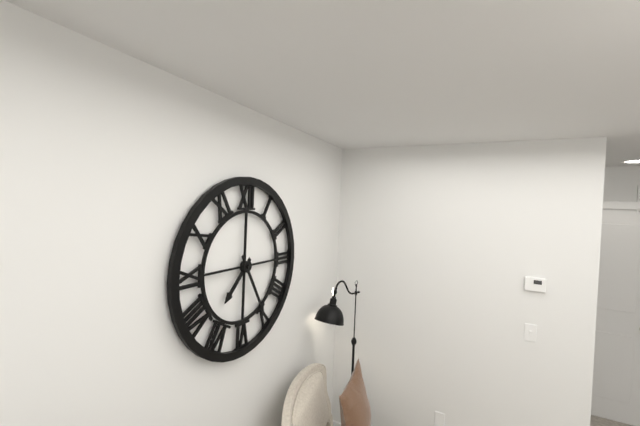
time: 7:25
